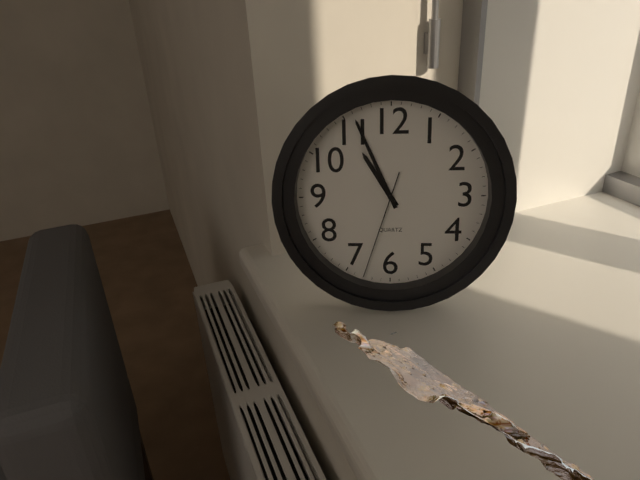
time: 10:56:33
